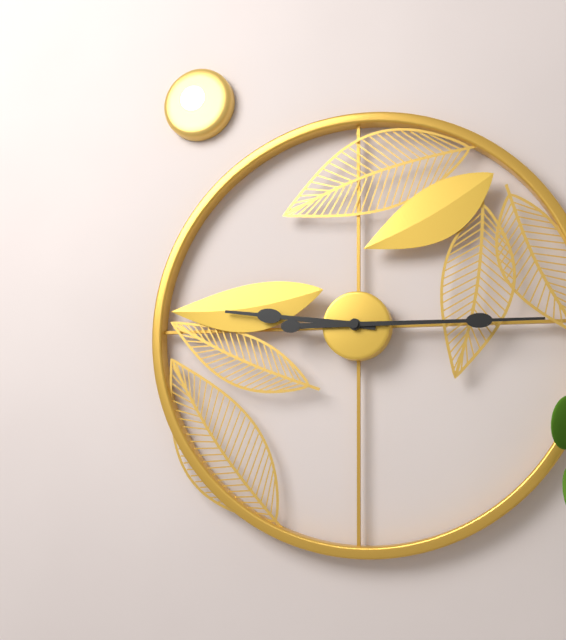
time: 9:15
